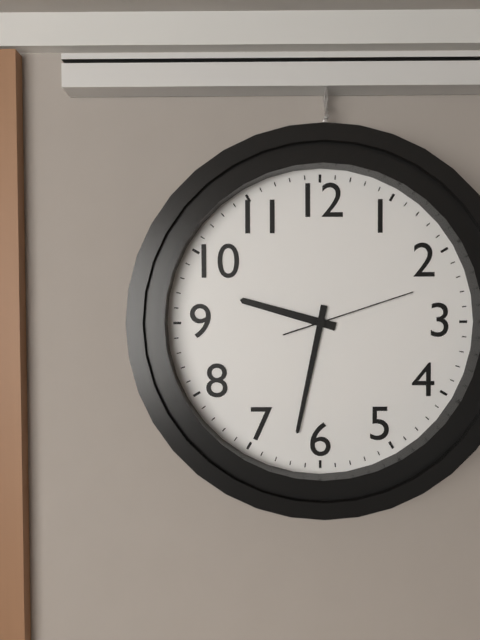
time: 9:32:12
